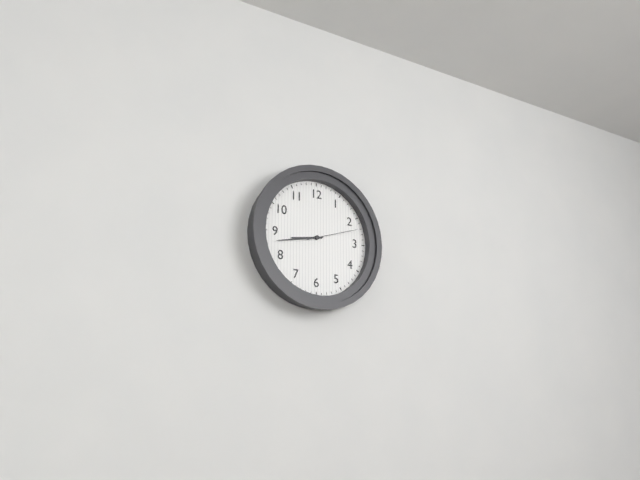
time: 8:43:12
